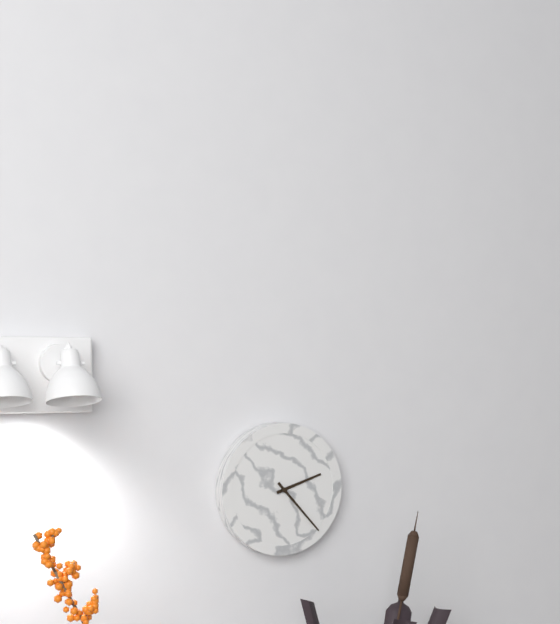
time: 2:23
